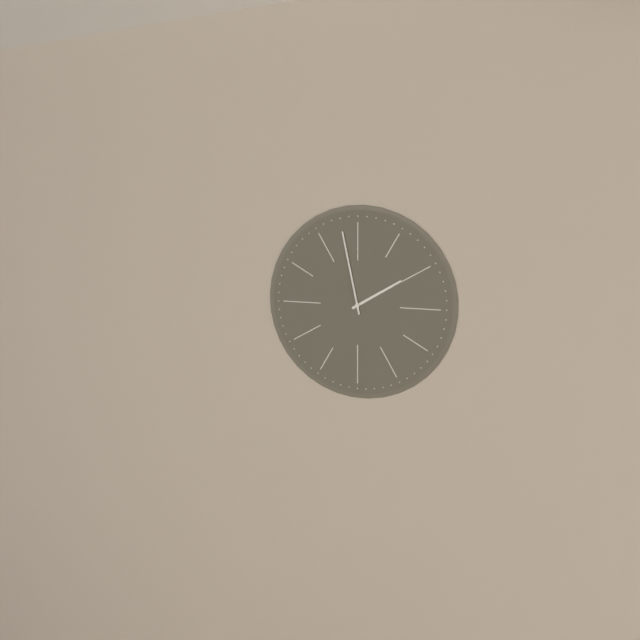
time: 1:58
